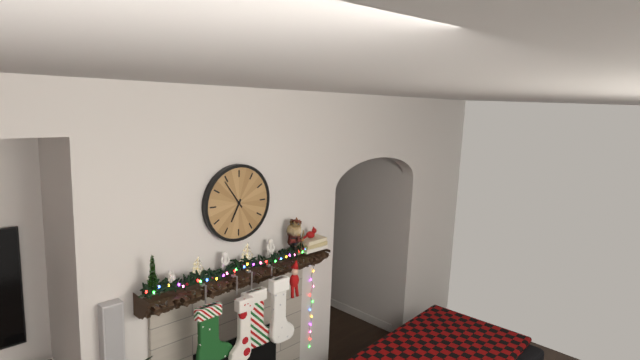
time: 6:54
